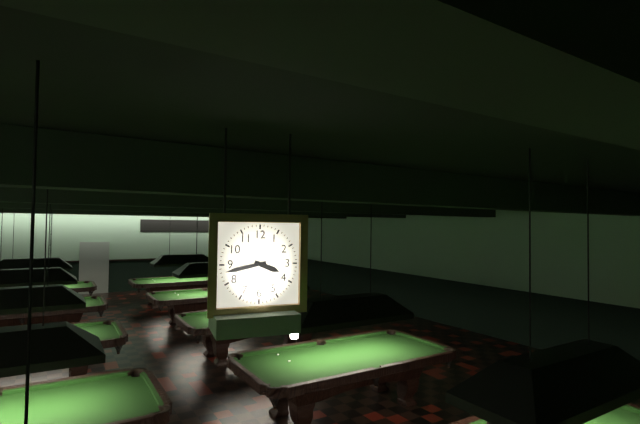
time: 3:43
